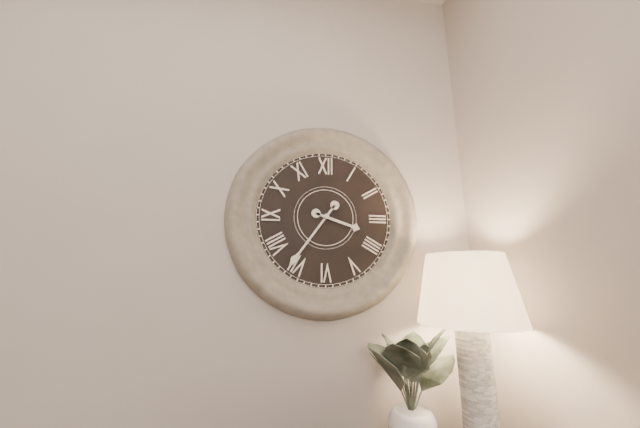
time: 3:36
